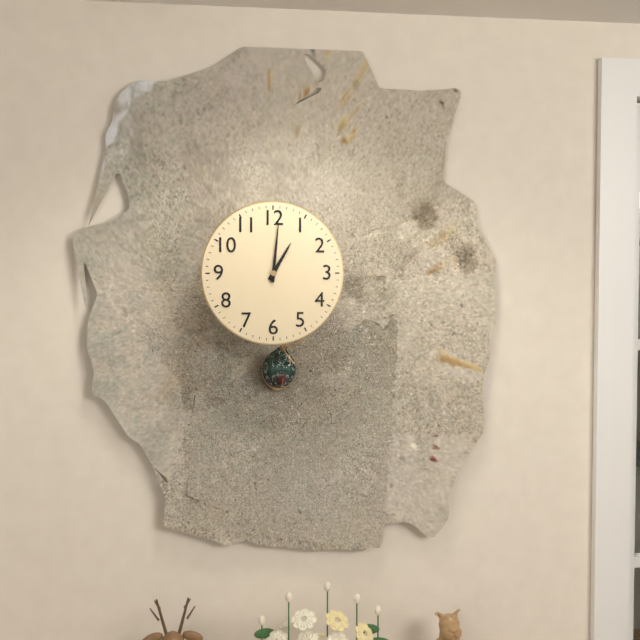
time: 1:01
